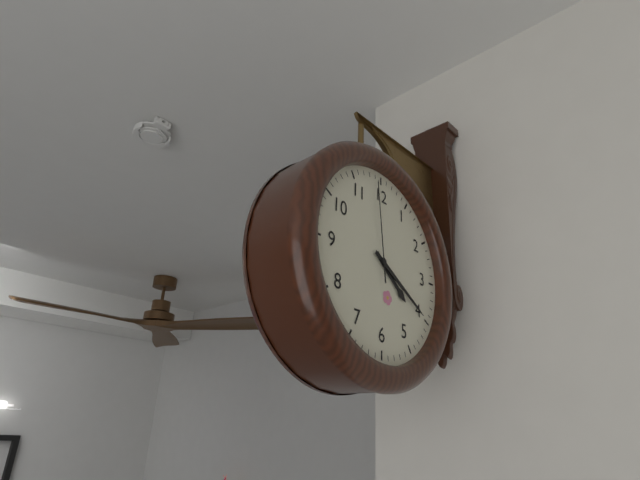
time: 4:20:59
